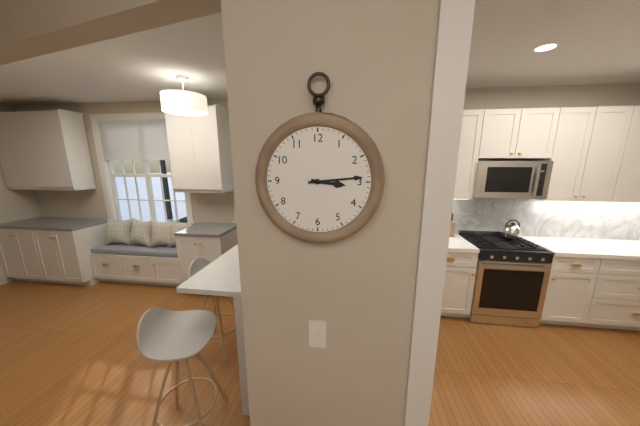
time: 3:14
